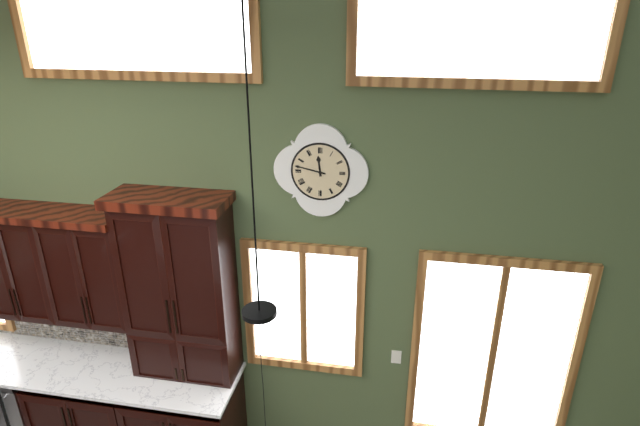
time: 11:47
